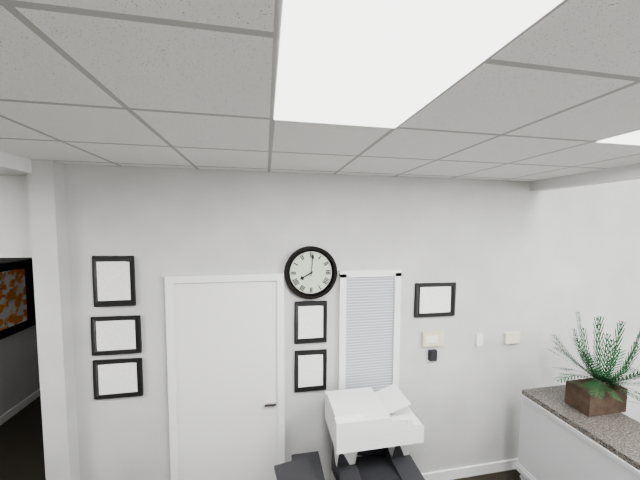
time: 8:01
